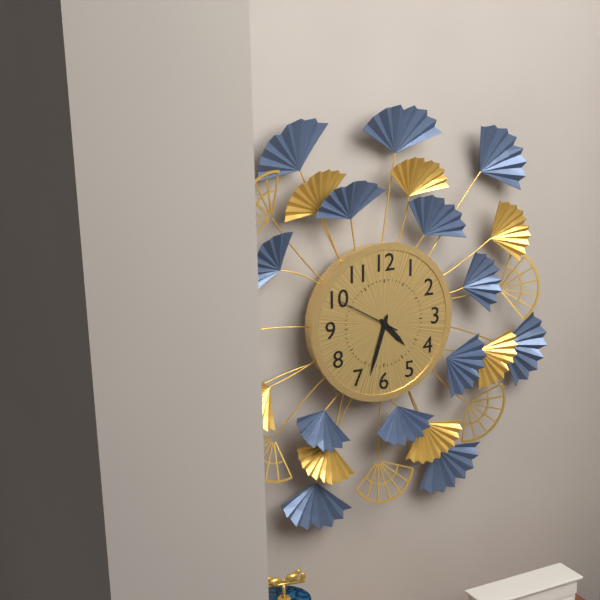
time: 4:33:50
